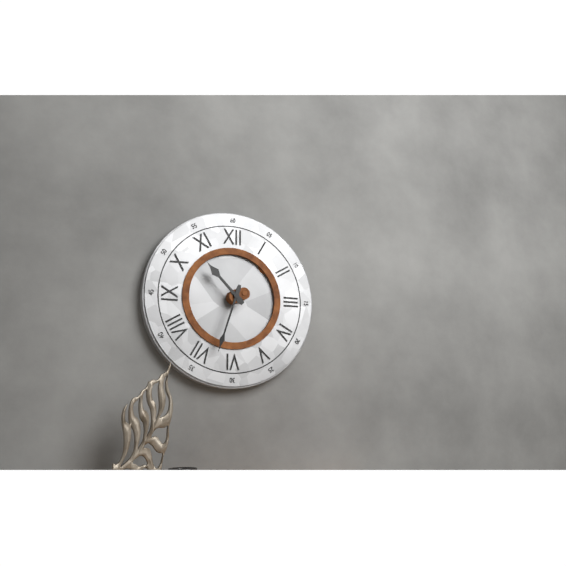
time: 10:33
